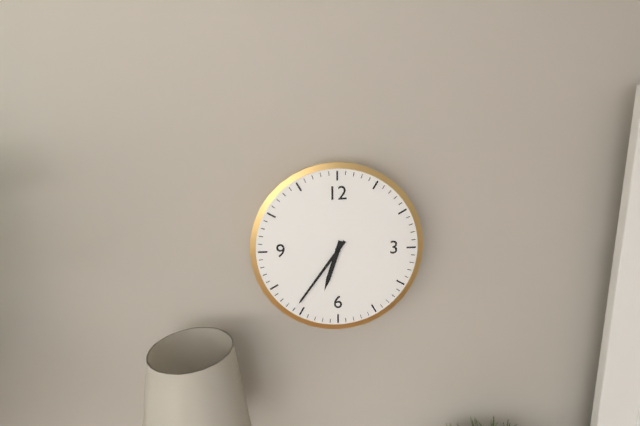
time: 6:36
